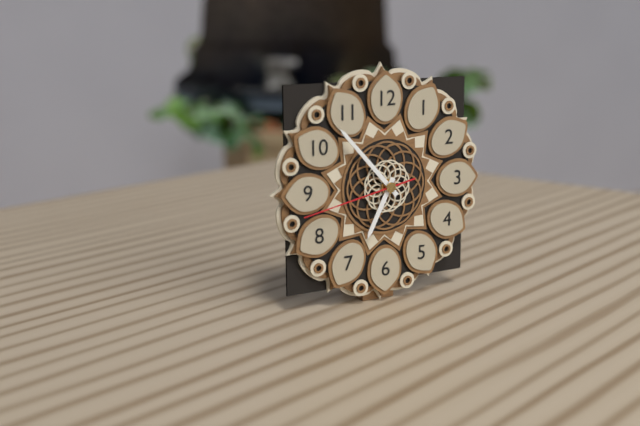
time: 6:53:43
